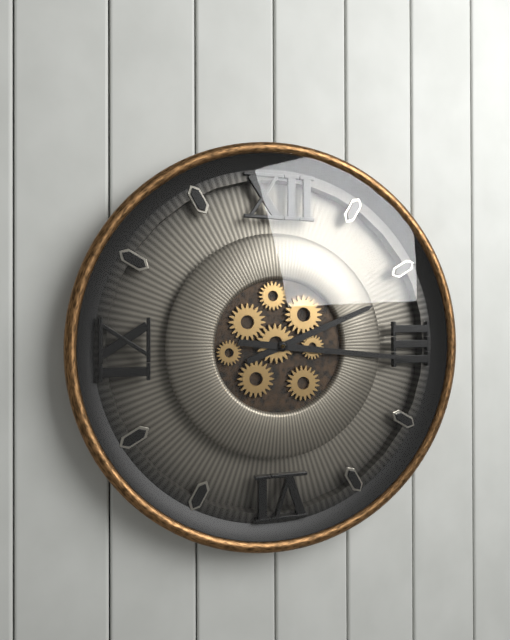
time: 2:16
